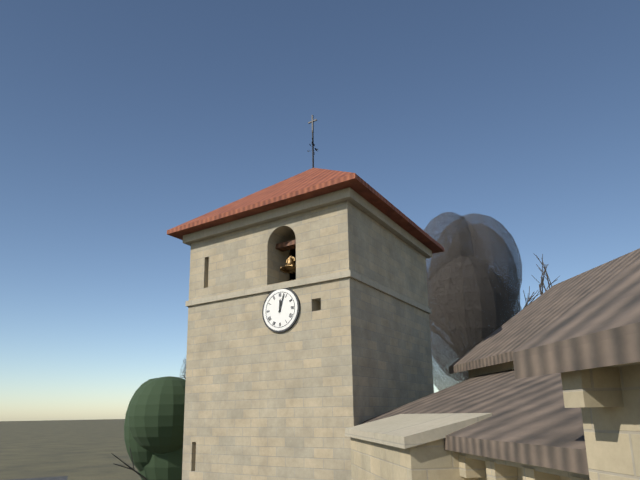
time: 12:03
